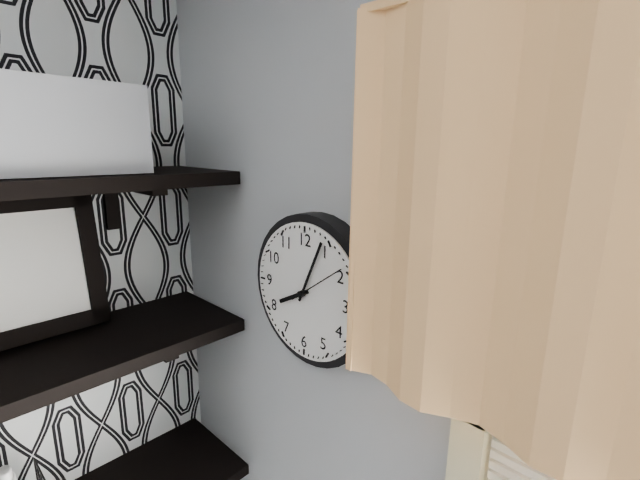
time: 8:04:09
